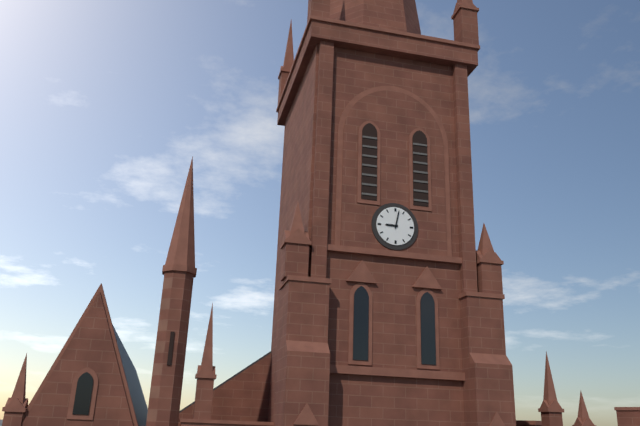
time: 9:02
